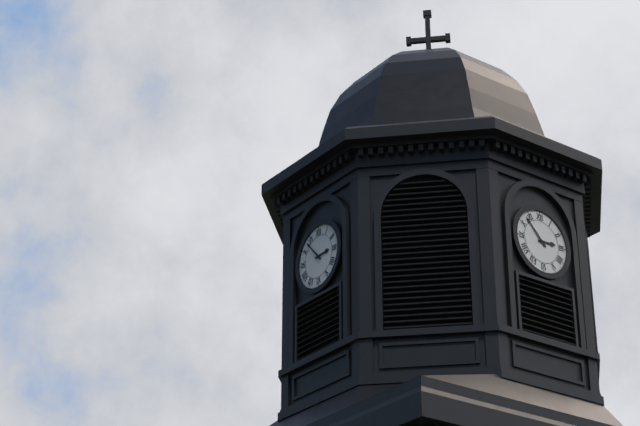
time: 2:53
